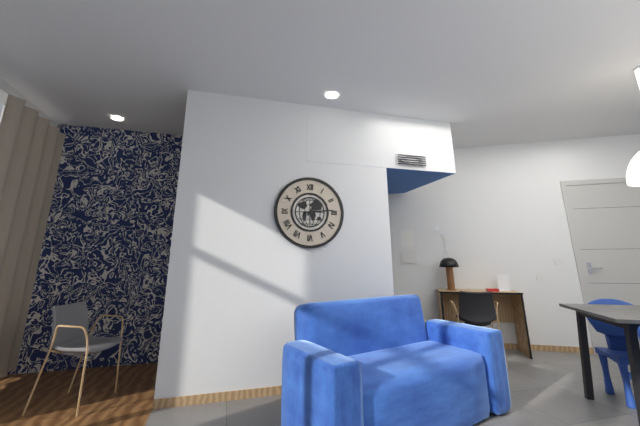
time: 1:14
